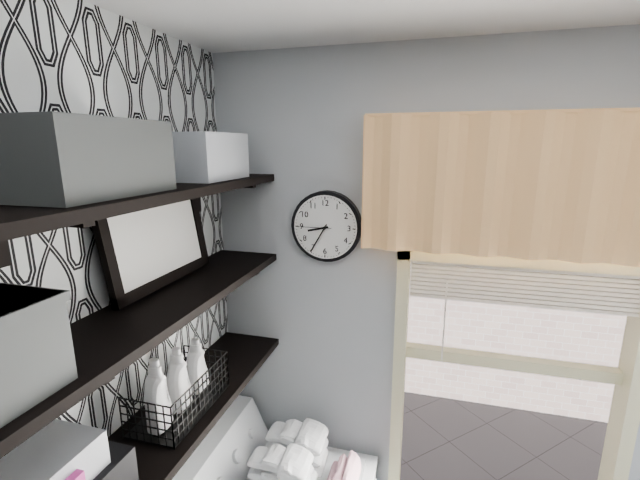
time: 8:35
